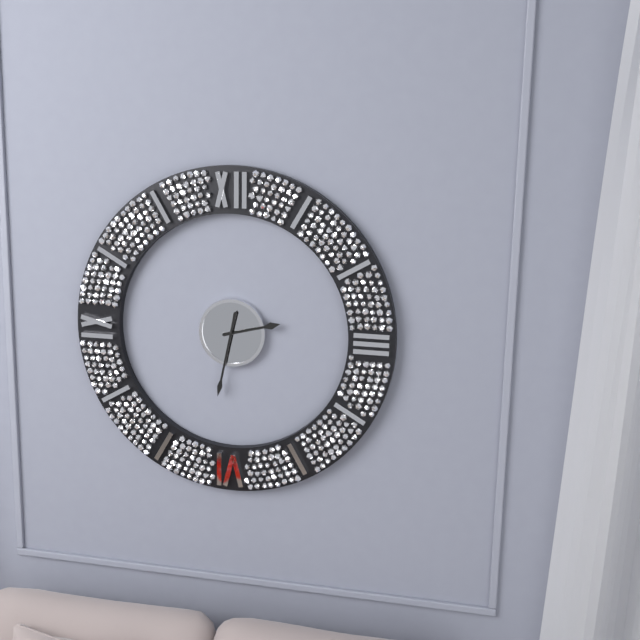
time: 2:32
